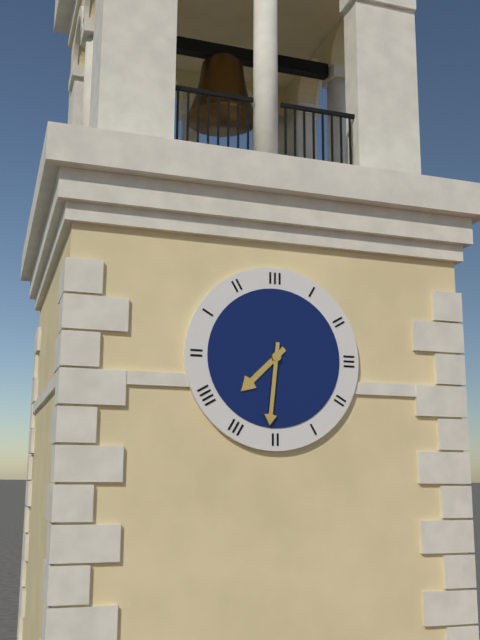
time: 7:31
